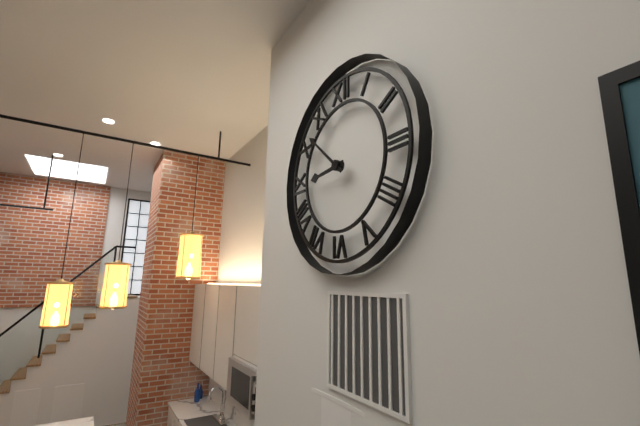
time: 8:52
